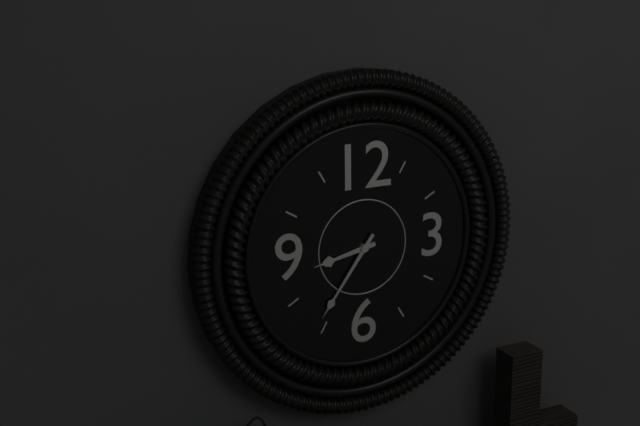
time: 8:36
